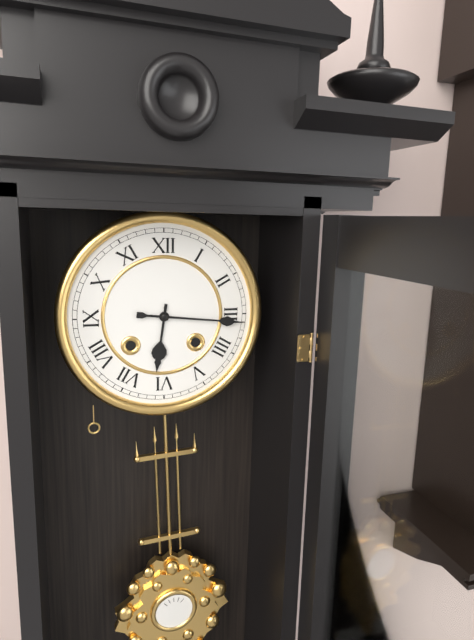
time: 6:16
